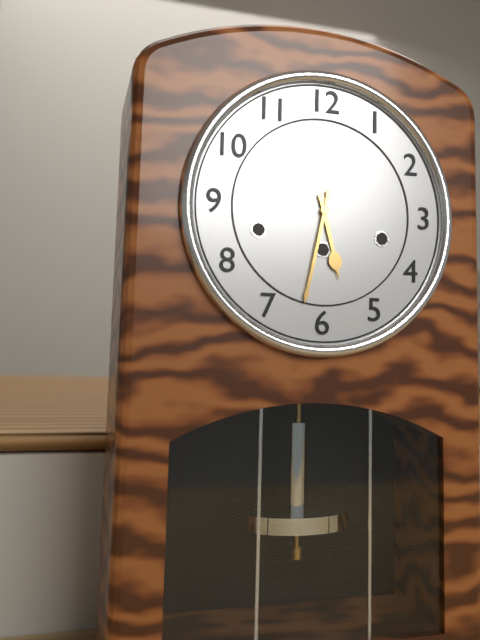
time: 5:32
